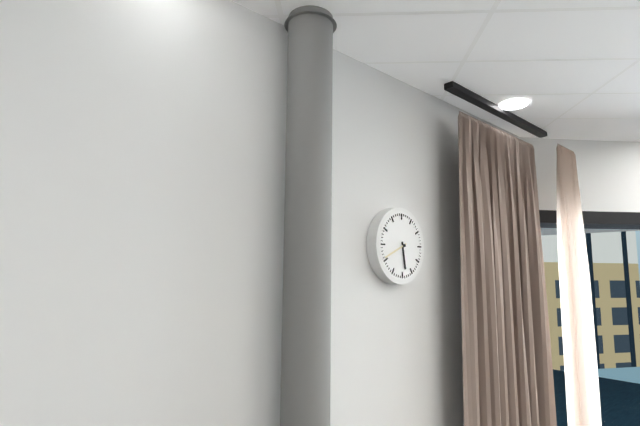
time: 5:41
